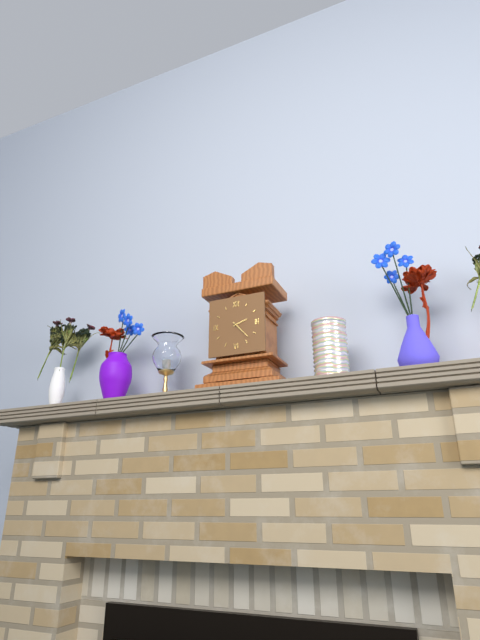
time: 2:23
